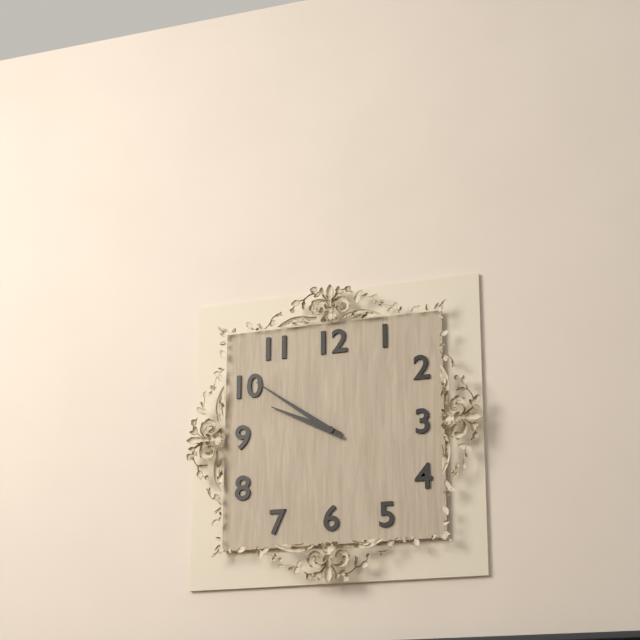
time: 9:51
